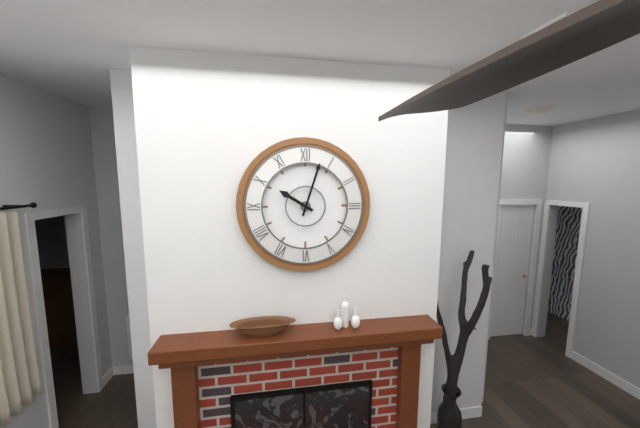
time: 10:03
